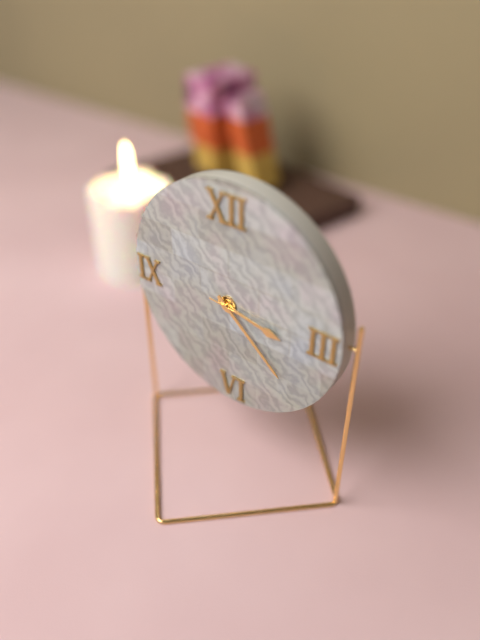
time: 3:22:16
